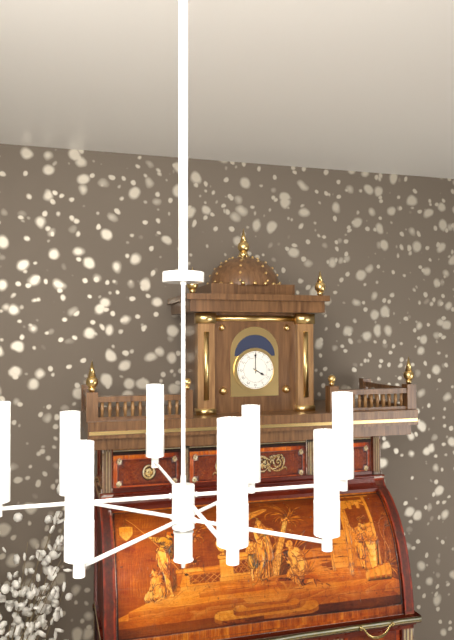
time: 4:00
